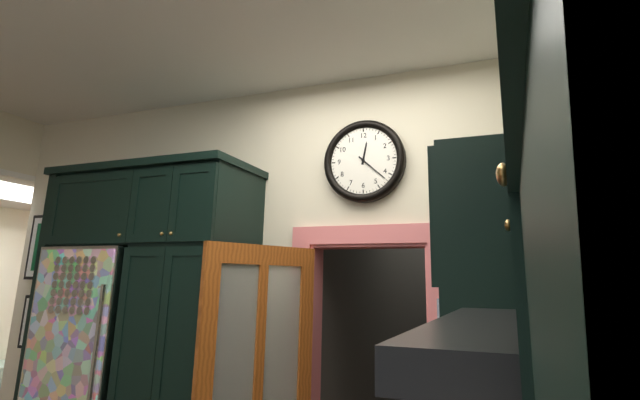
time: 12:22
